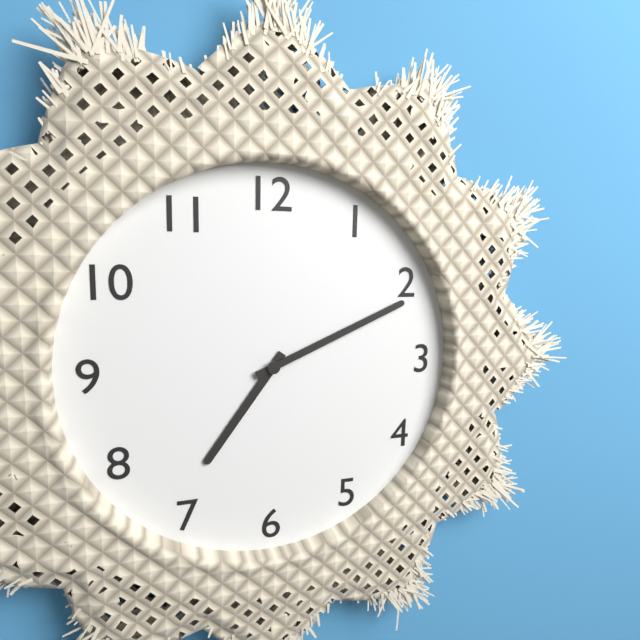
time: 7:11
